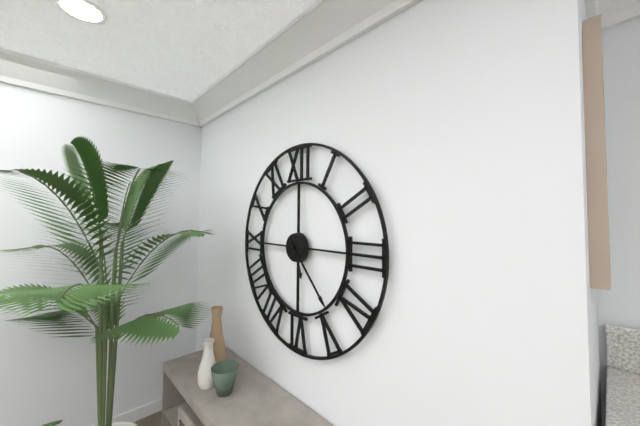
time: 5:23
